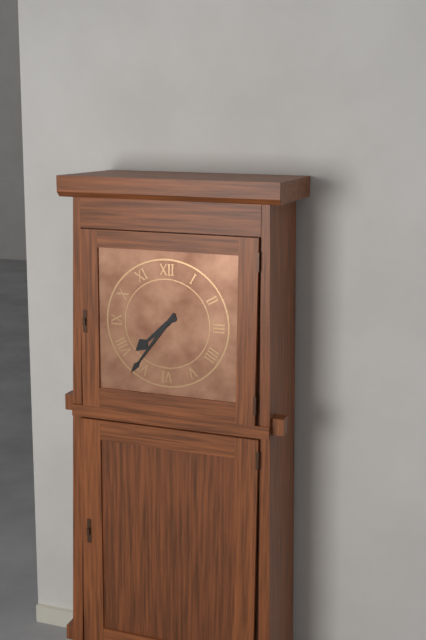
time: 7:36
